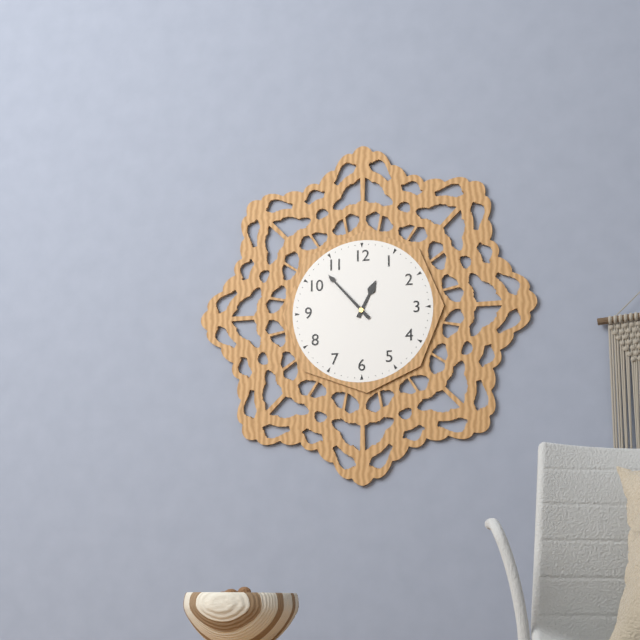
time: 12:53
